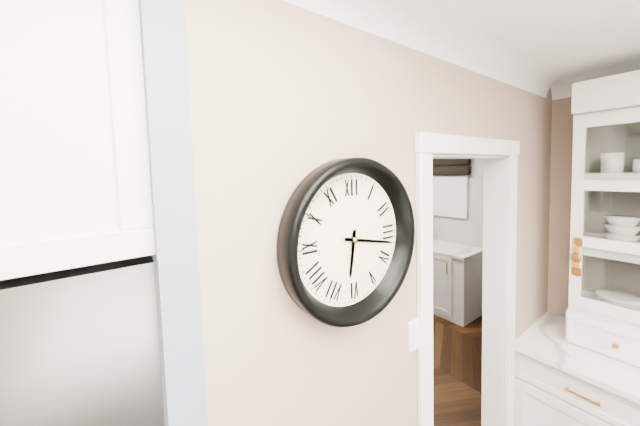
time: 6:17
